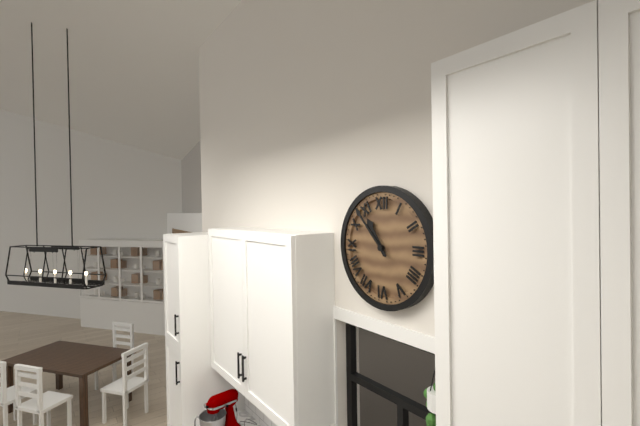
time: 10:53
